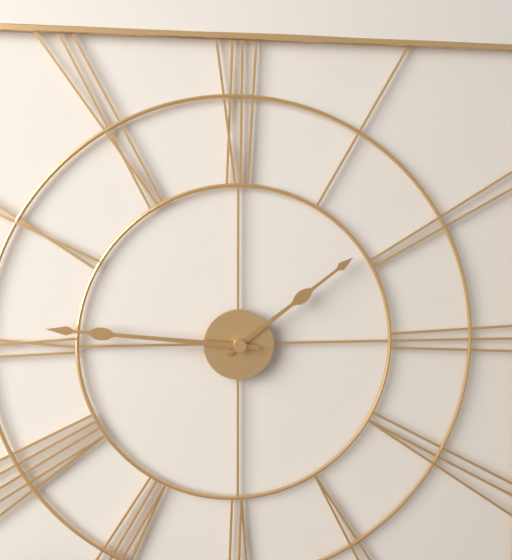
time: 1:46
